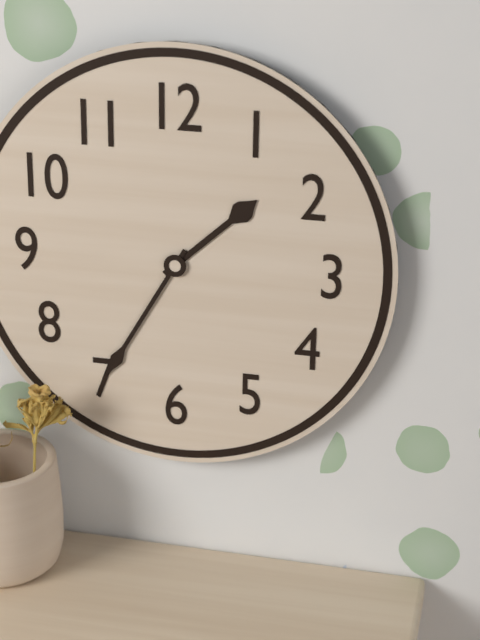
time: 1:35
